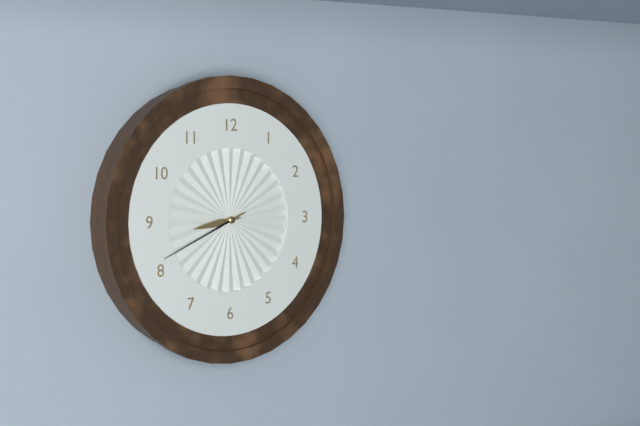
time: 8:41
